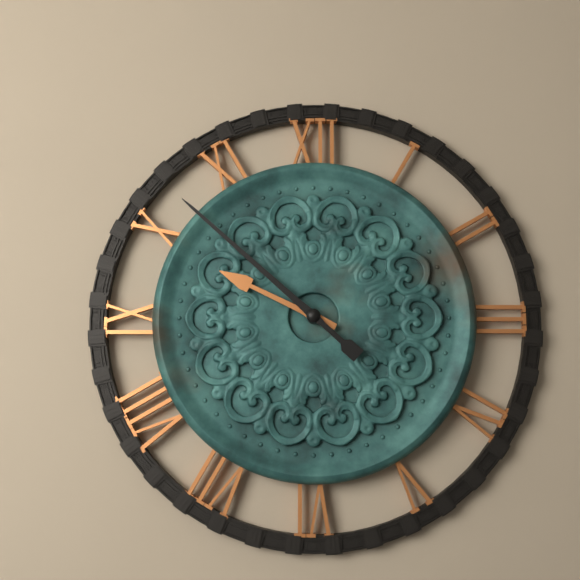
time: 9:52
